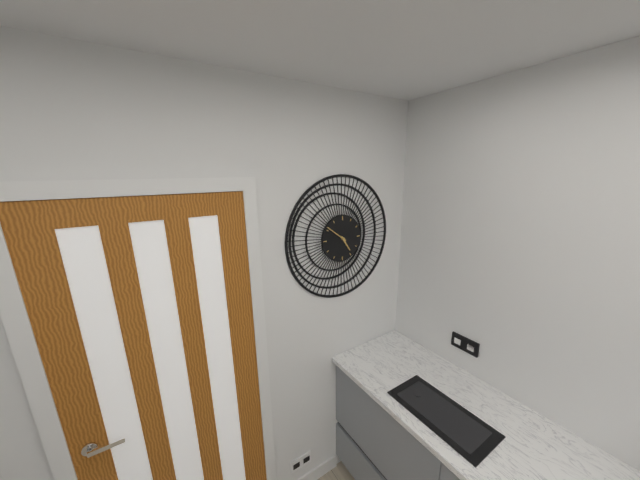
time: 4:51
